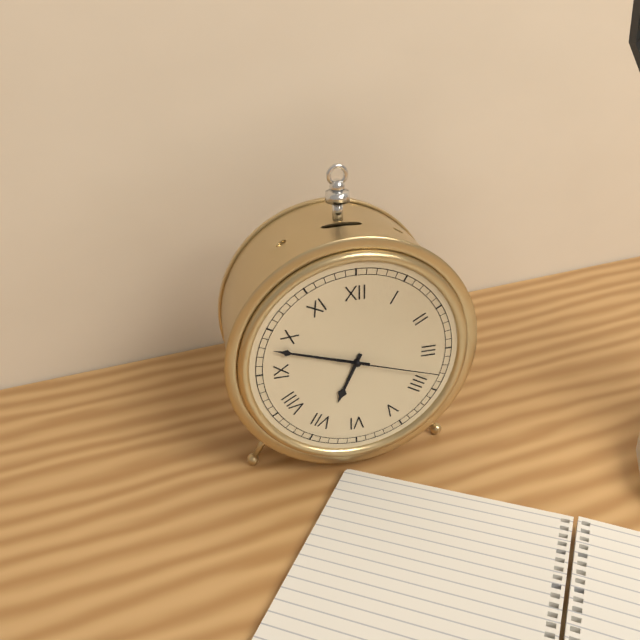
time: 6:48:18
